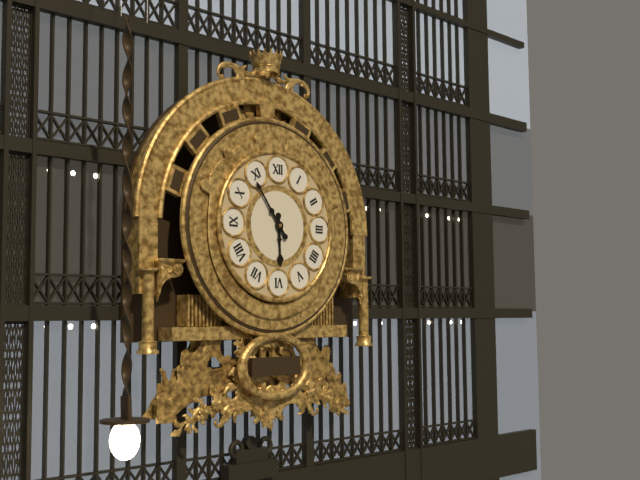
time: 5:54
